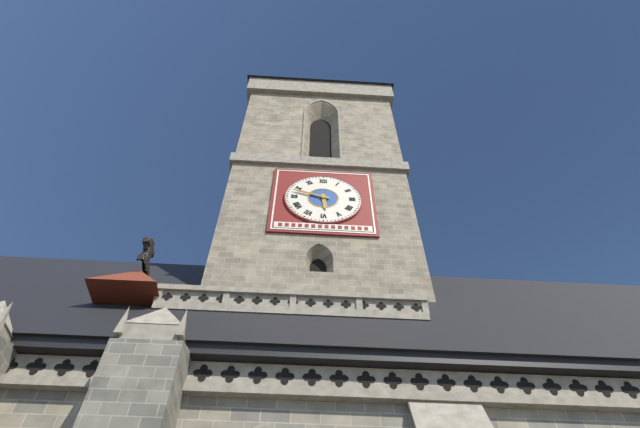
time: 5:48
